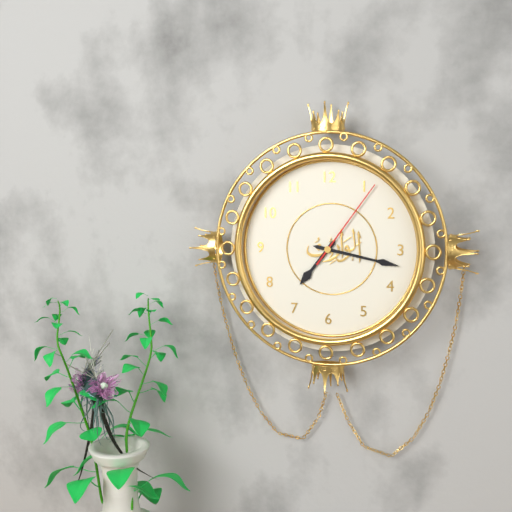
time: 7:17:06
